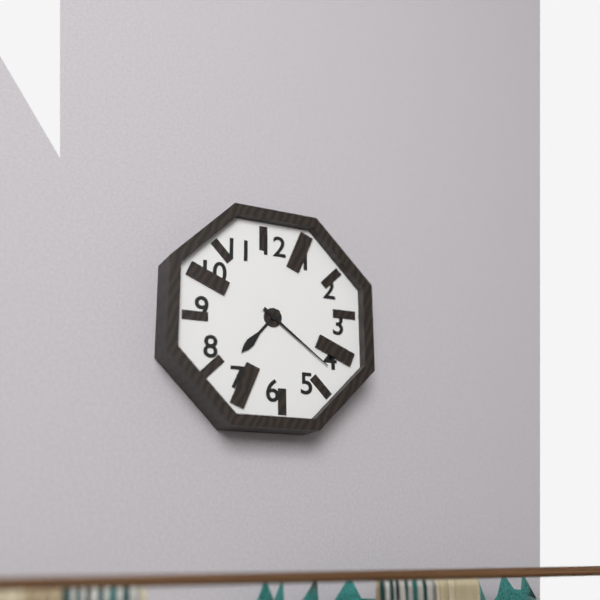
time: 7:21
